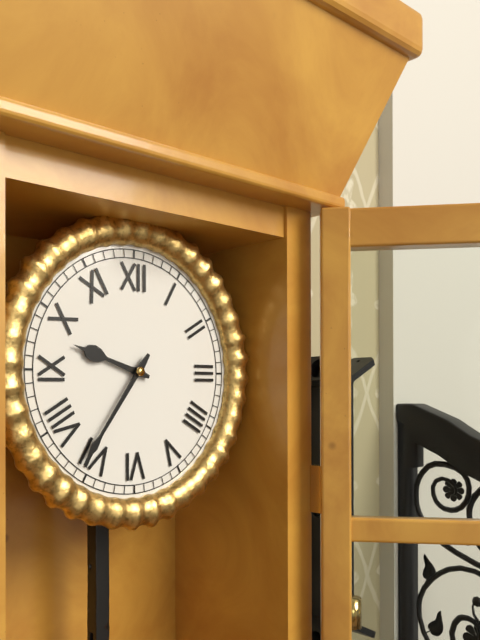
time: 9:36
